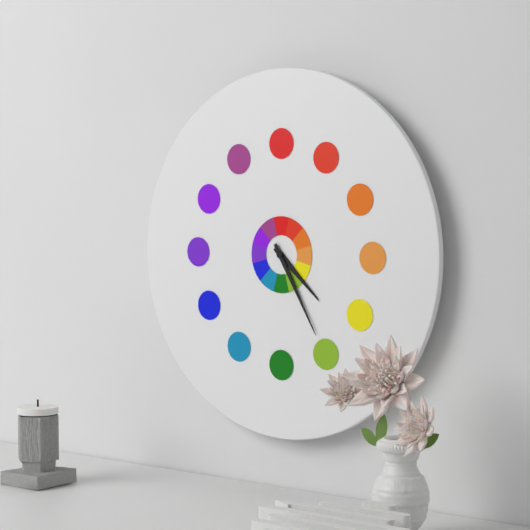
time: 4:25
